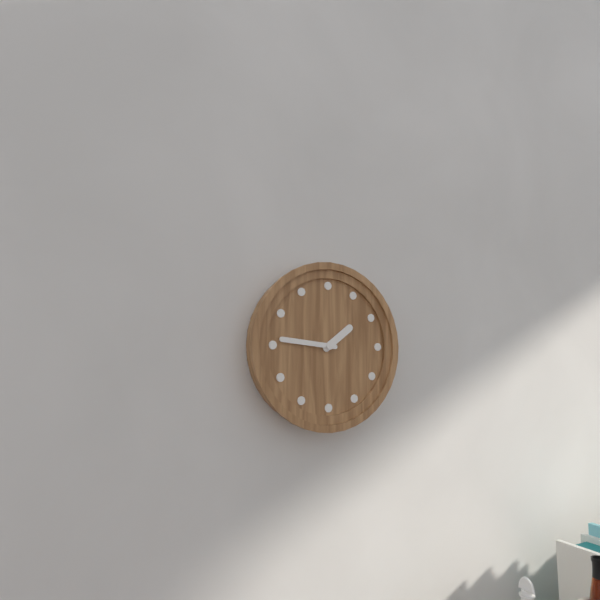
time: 1:46
